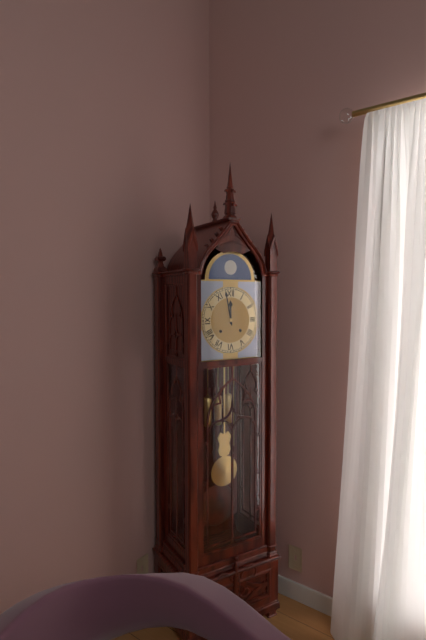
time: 11:58
